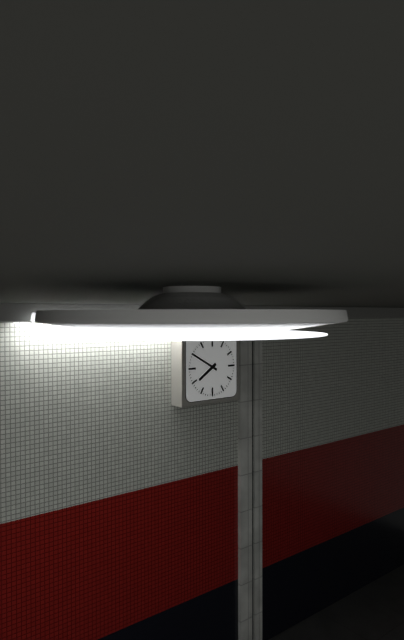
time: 7:50
